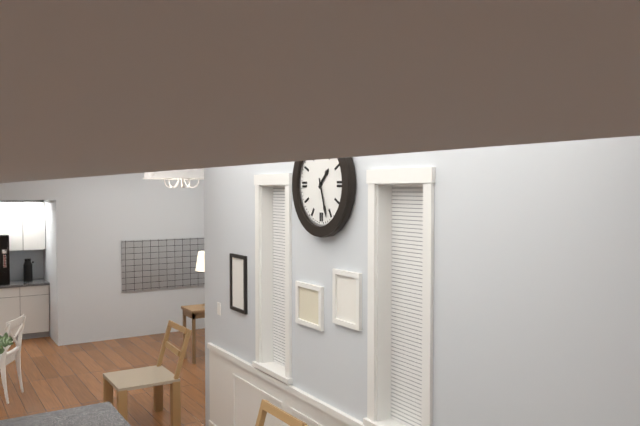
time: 1:27
